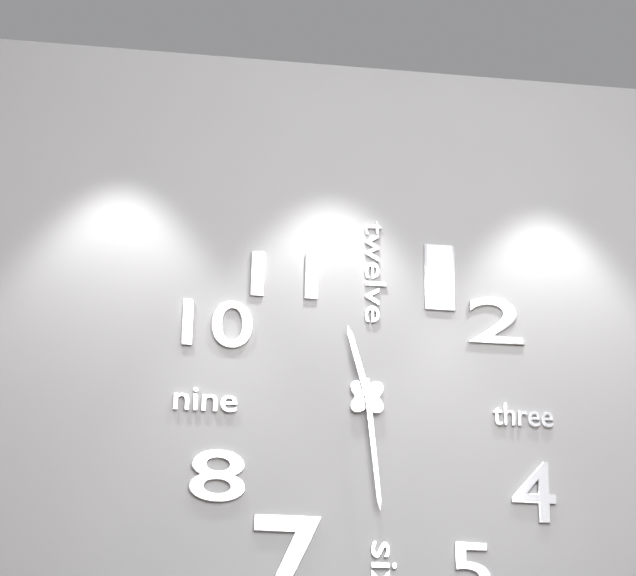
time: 11:29
